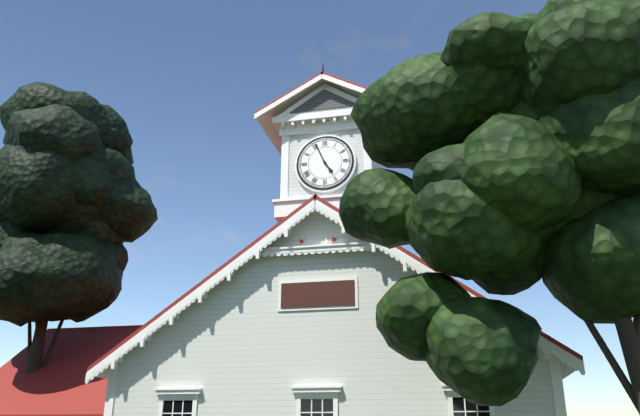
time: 4:56
